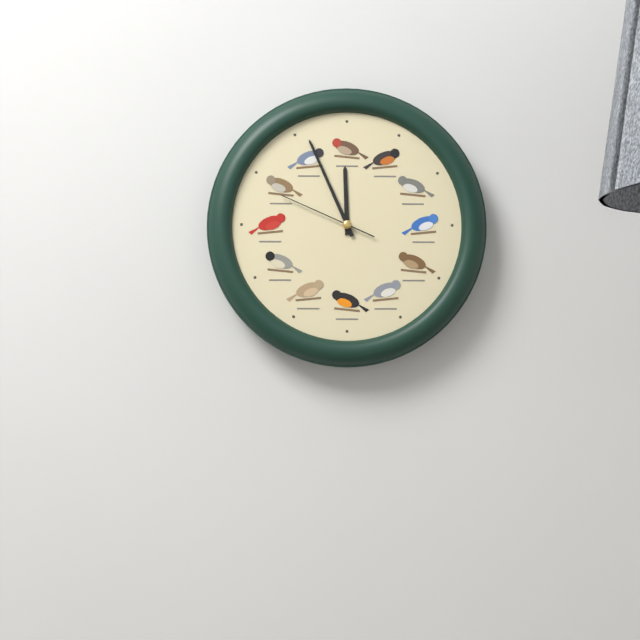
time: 11:56:49
